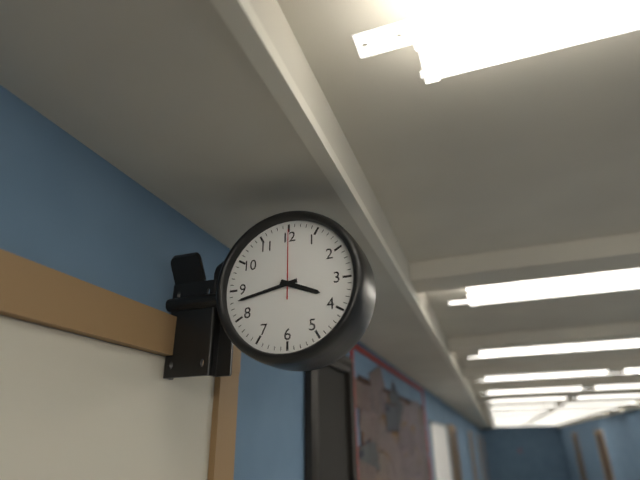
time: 3:43:00
